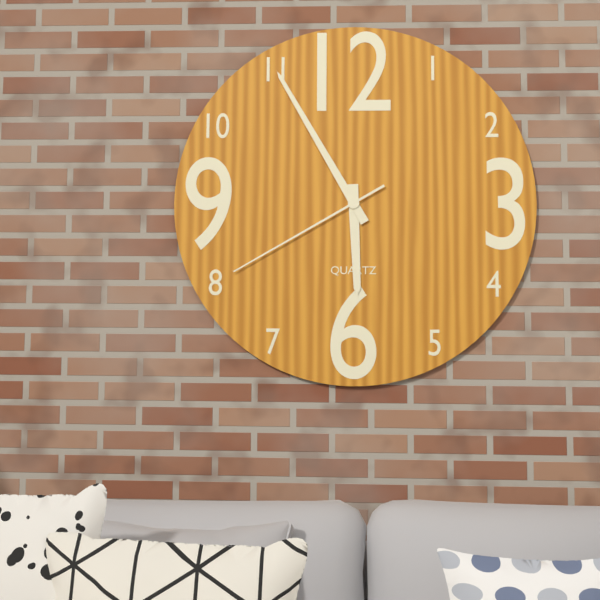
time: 5:55:40
